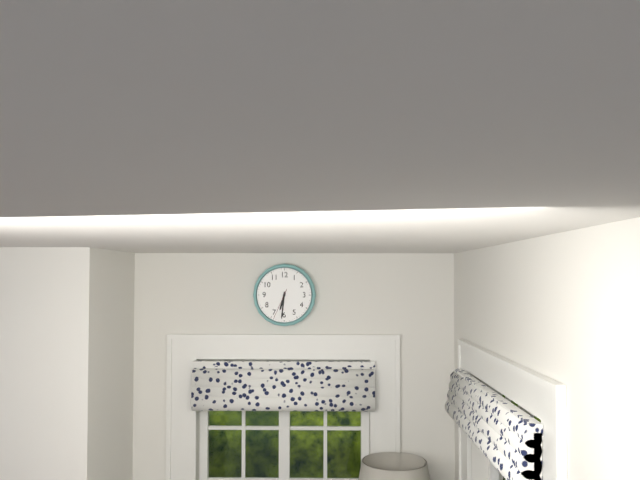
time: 6:31
